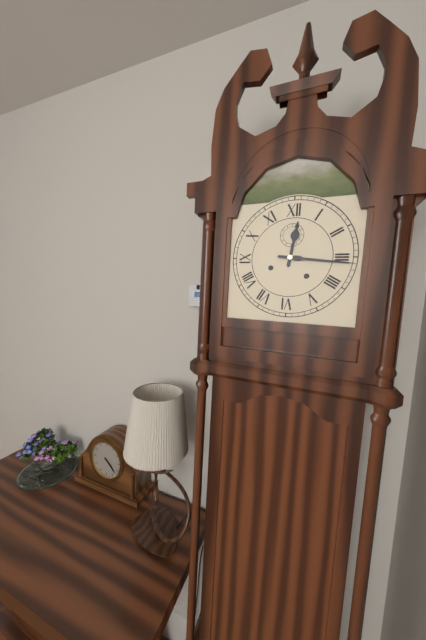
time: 12:16
